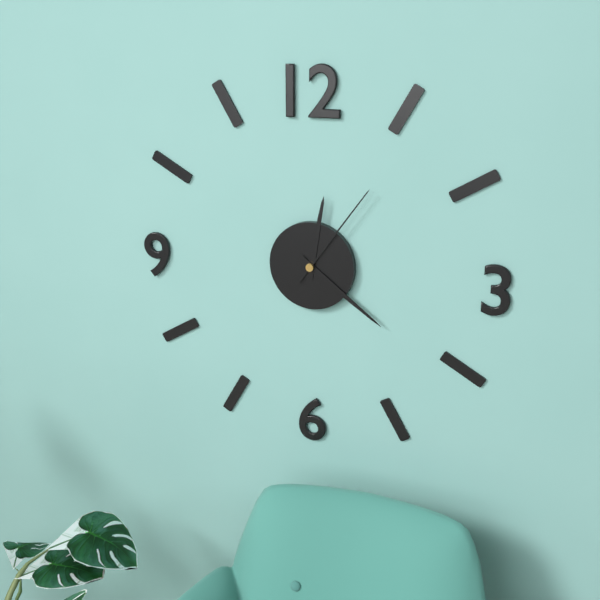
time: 12:21:06
